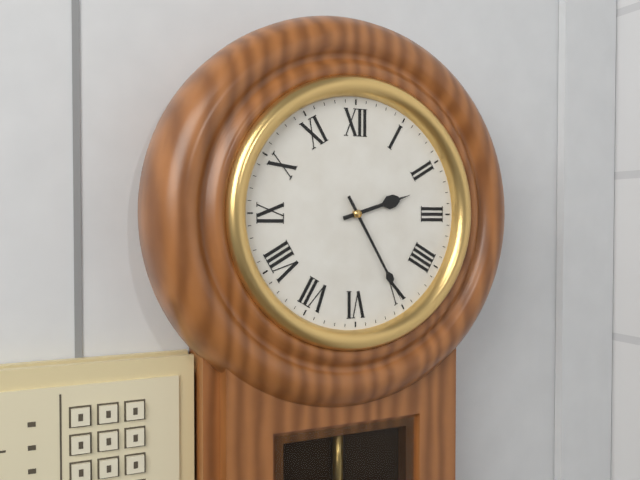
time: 2:25
